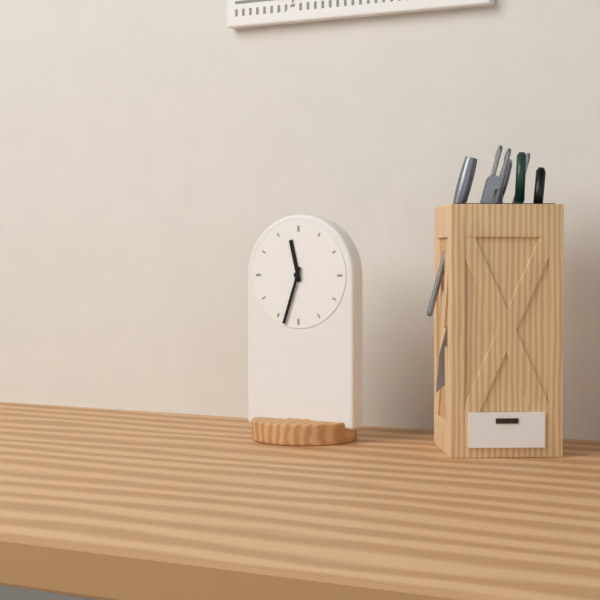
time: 11:33
